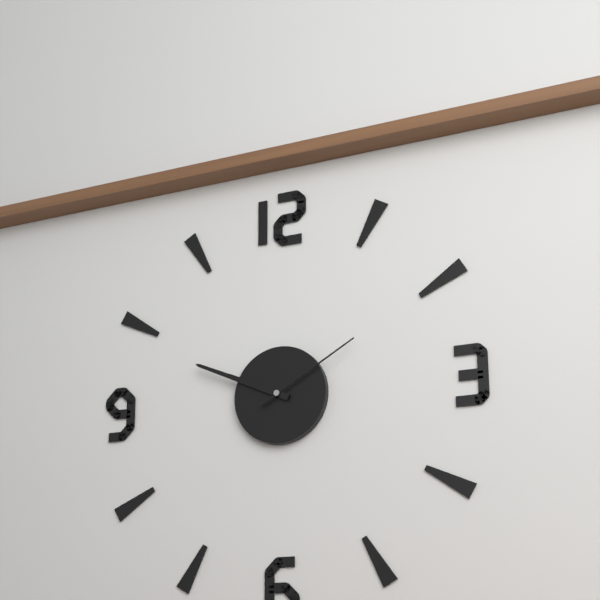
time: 9:49:10
